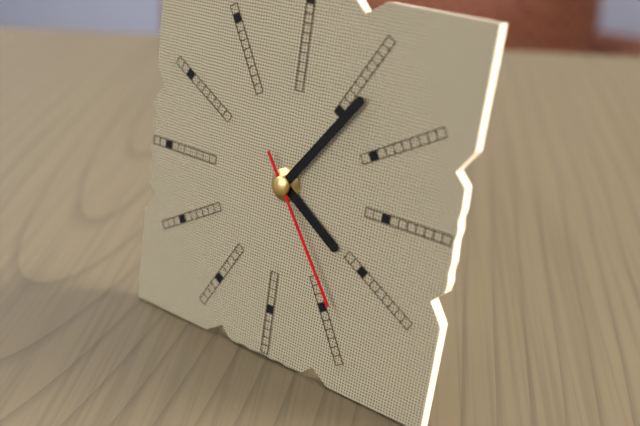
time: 4:06:24
